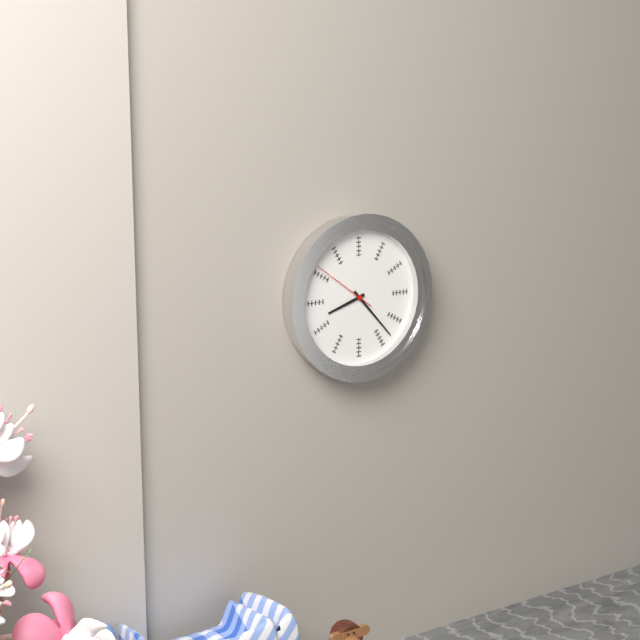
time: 8:23:51
